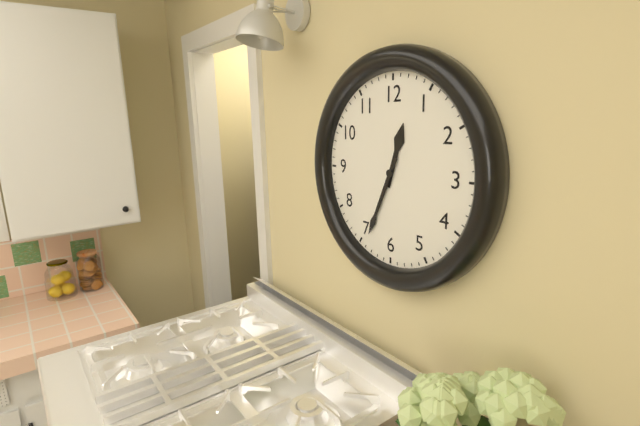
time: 12:34
